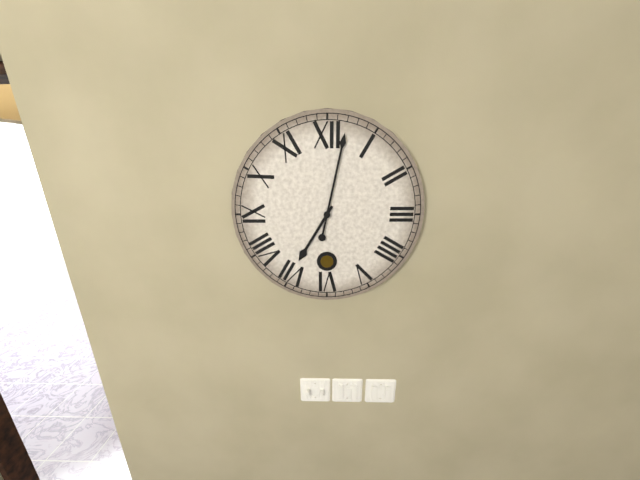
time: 7:02
